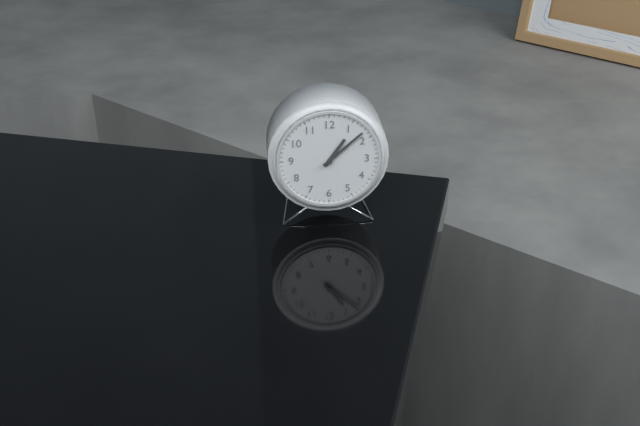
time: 1:08
